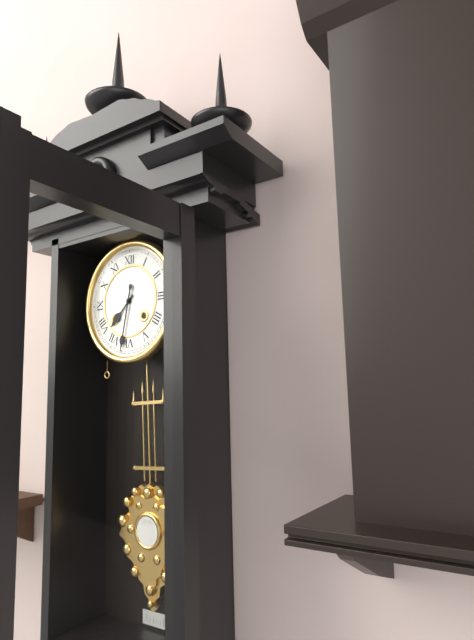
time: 7:32
